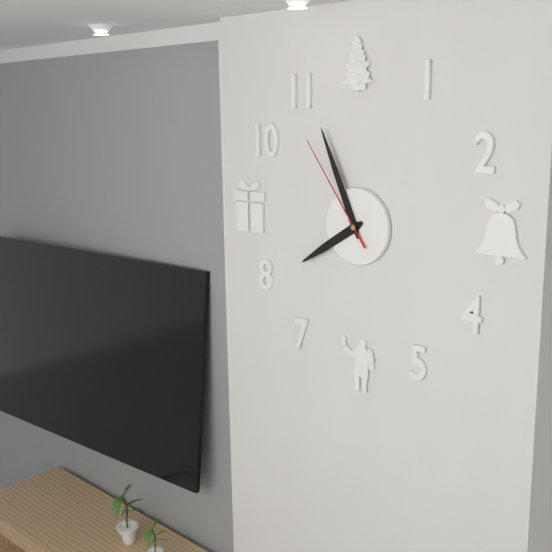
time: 7:56:54
